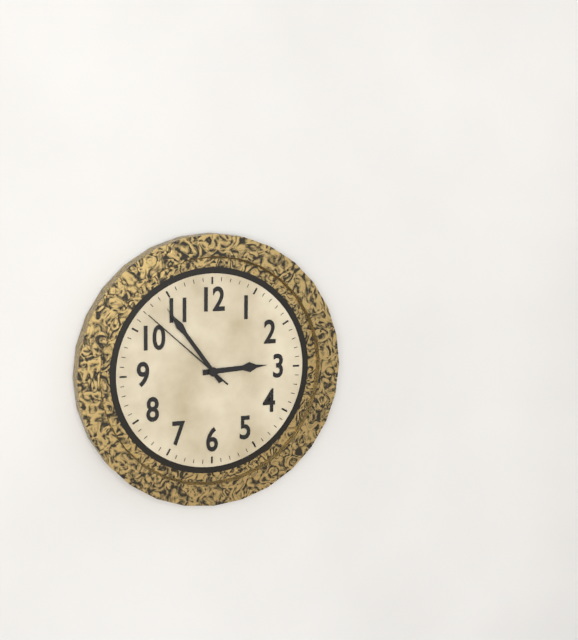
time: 2:54:52
